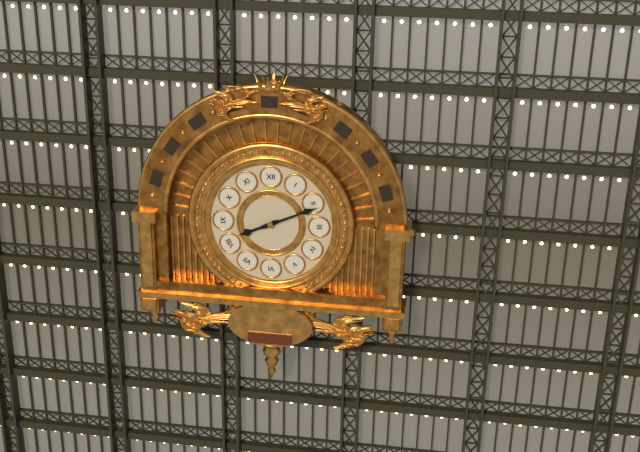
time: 8:11
